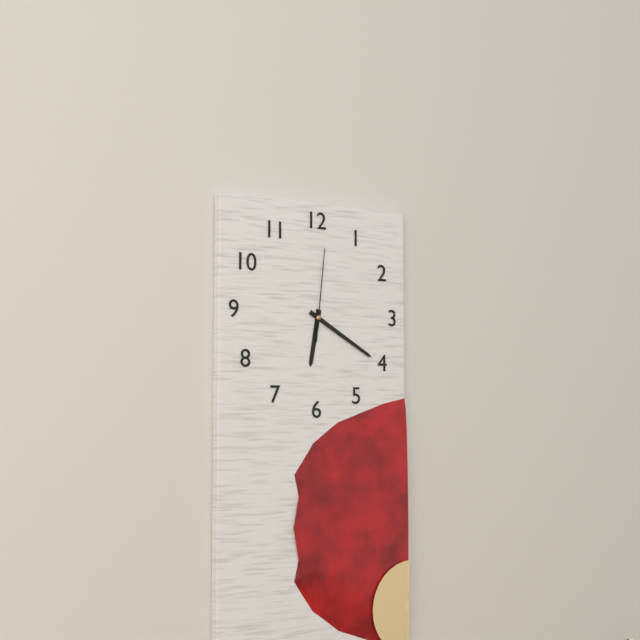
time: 6:20:01
